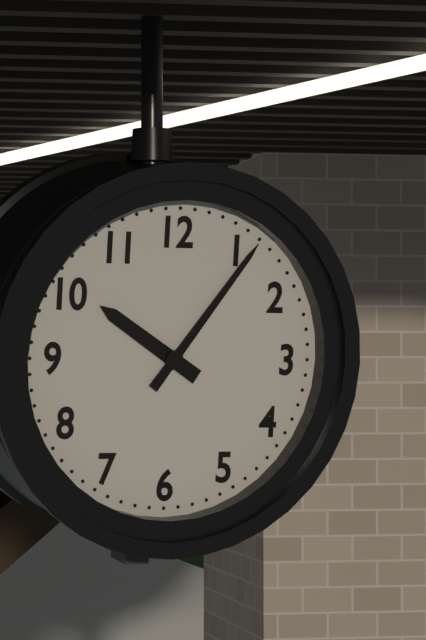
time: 10:06
